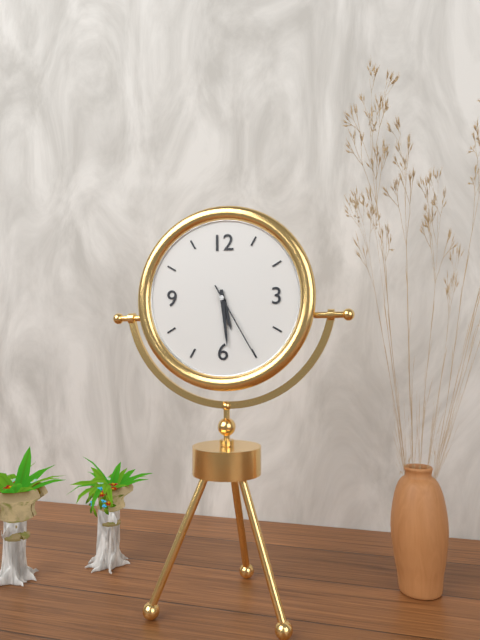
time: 5:29:25
